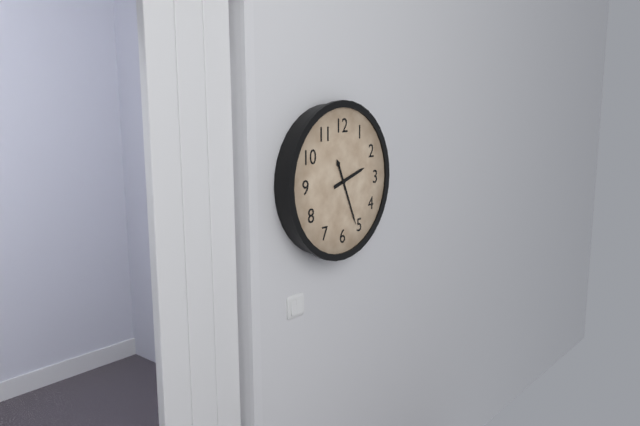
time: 2:26
